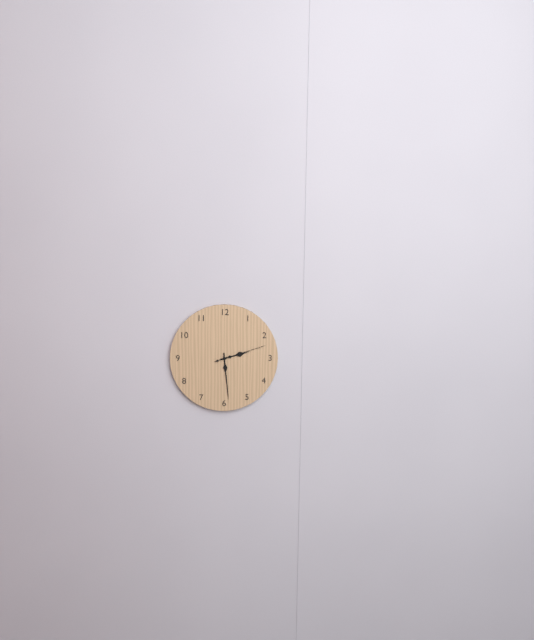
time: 2:29:12
